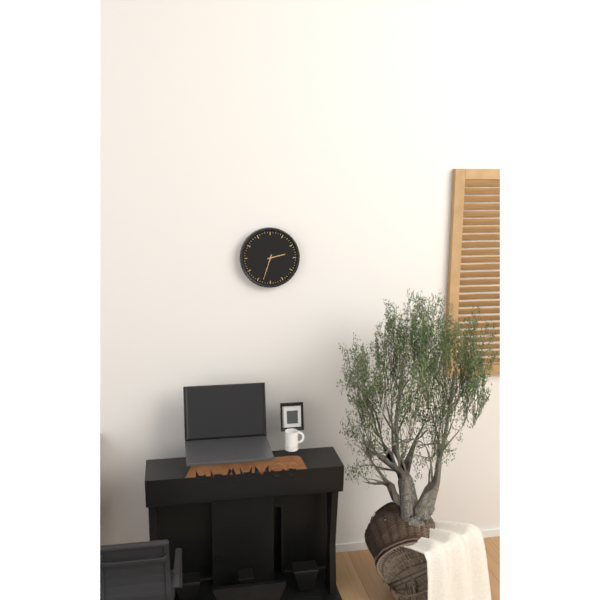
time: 2:33
